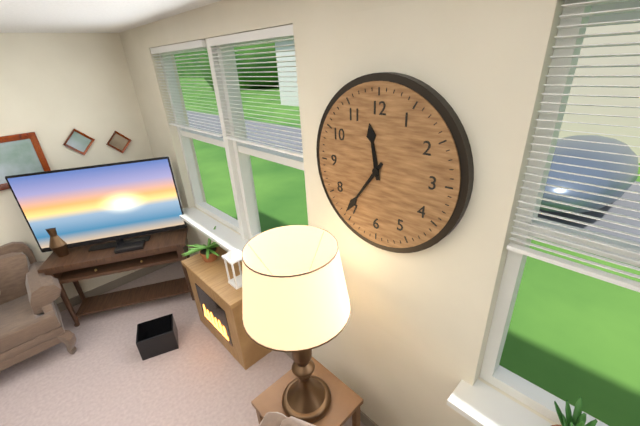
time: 11:36
